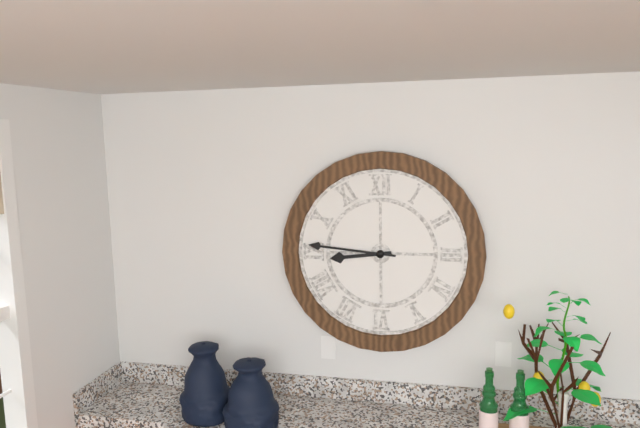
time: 8:46
